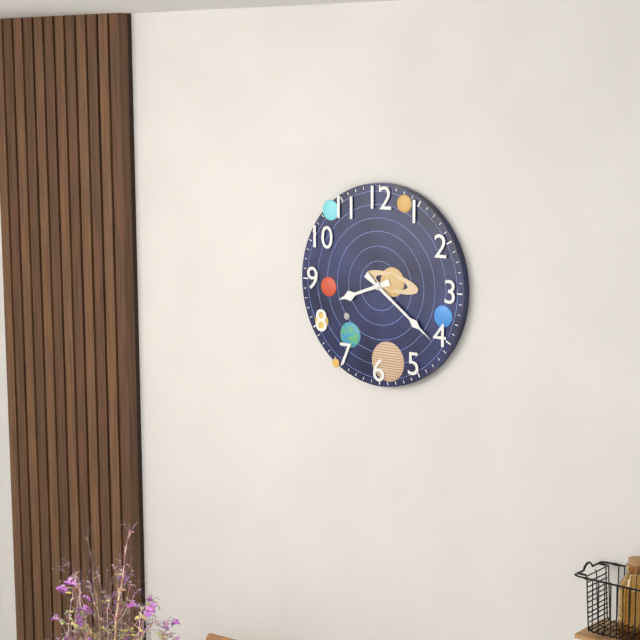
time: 8:21
